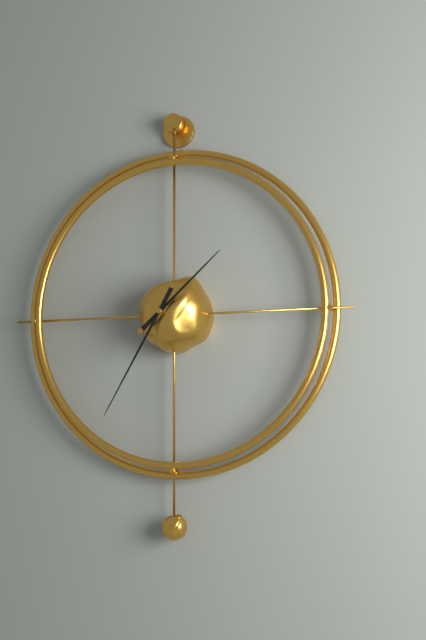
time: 1:35
